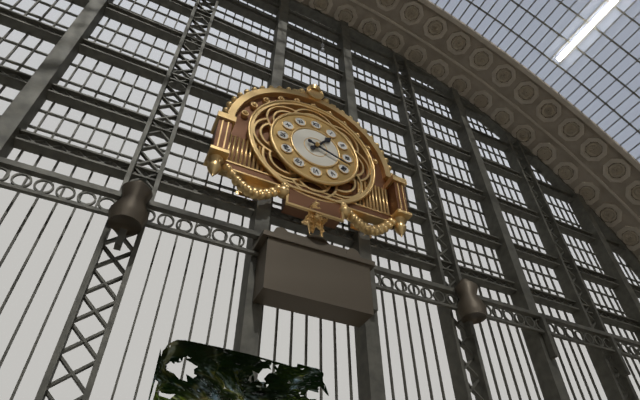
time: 1:18
